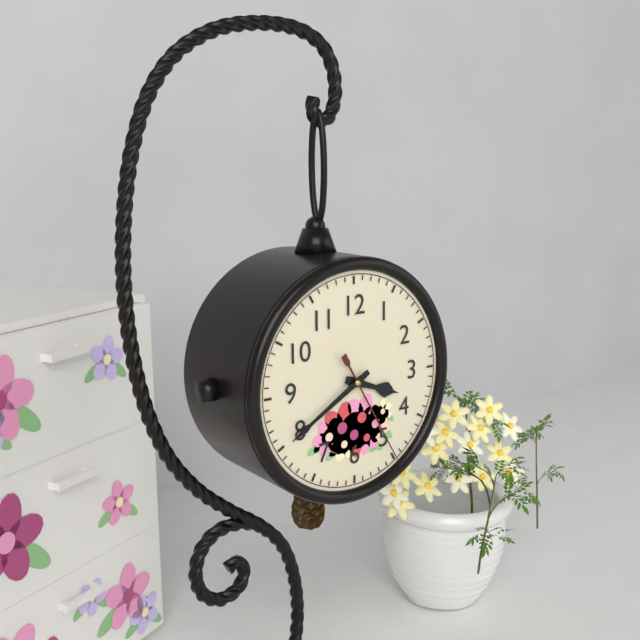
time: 3:40:25
